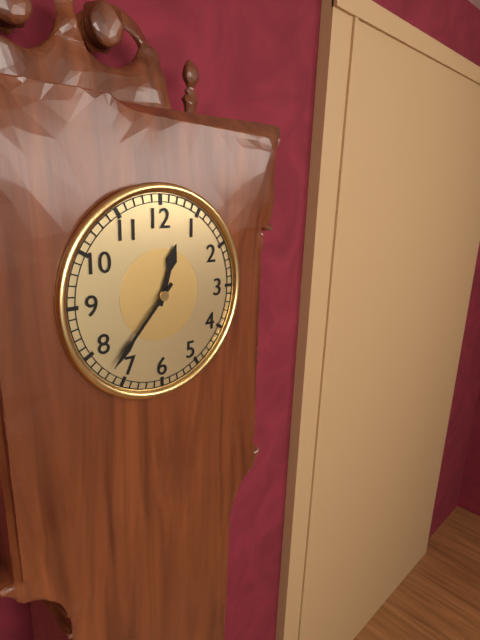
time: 12:37
